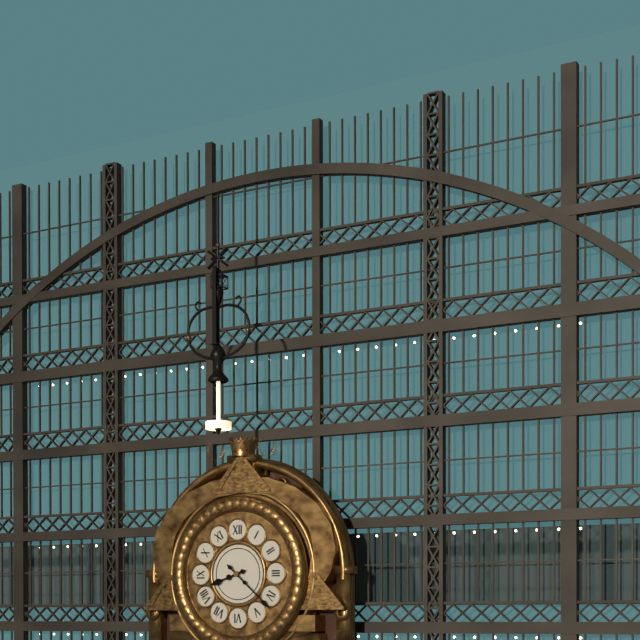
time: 8:22
